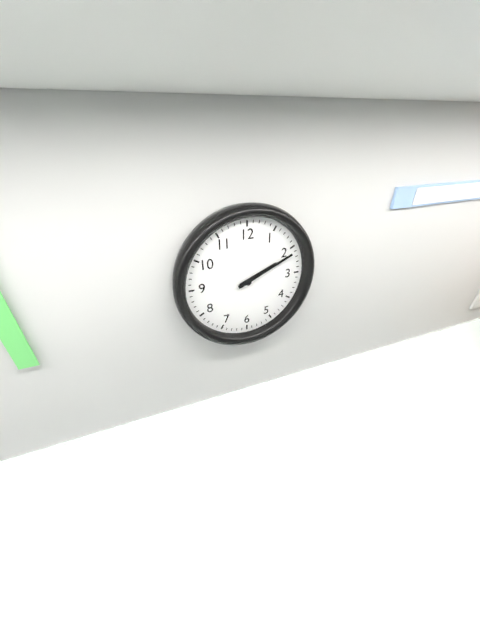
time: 2:11
